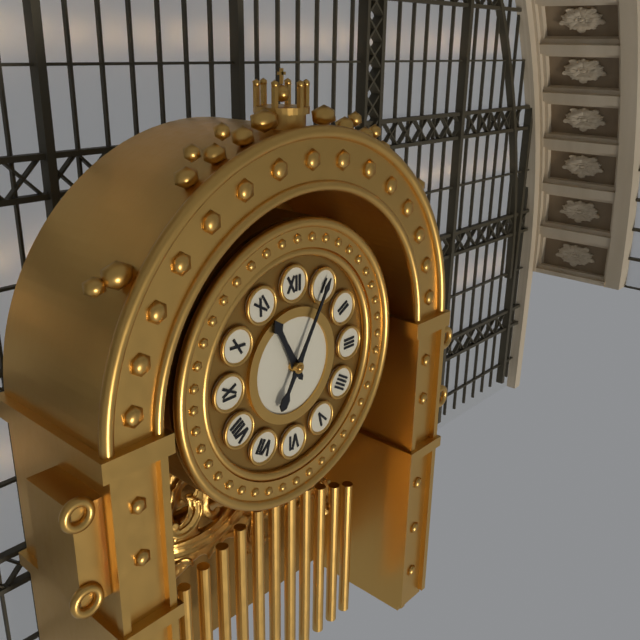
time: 11:05
